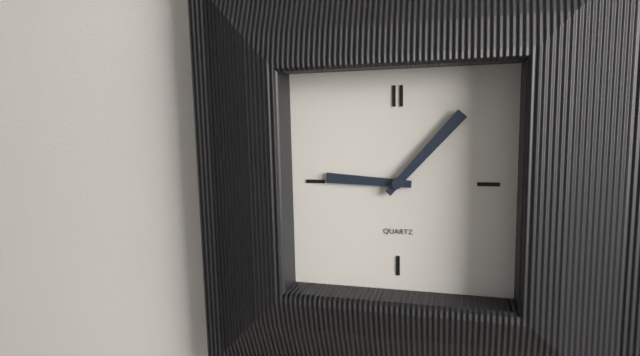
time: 9:07
